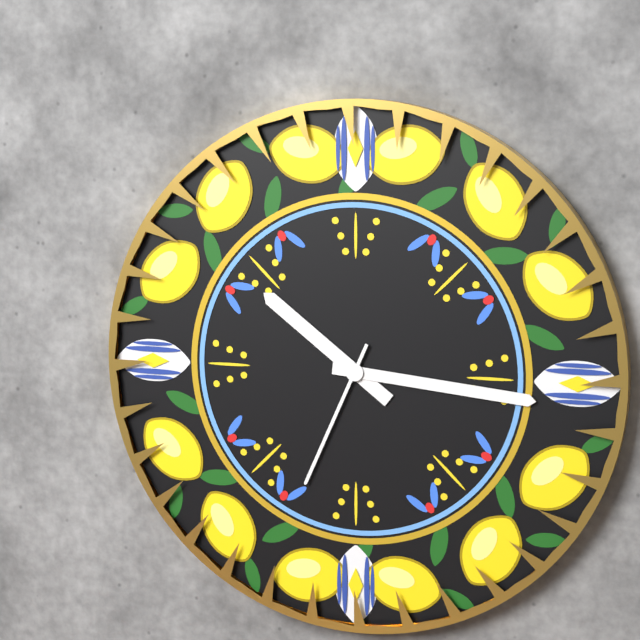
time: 10:16:34
